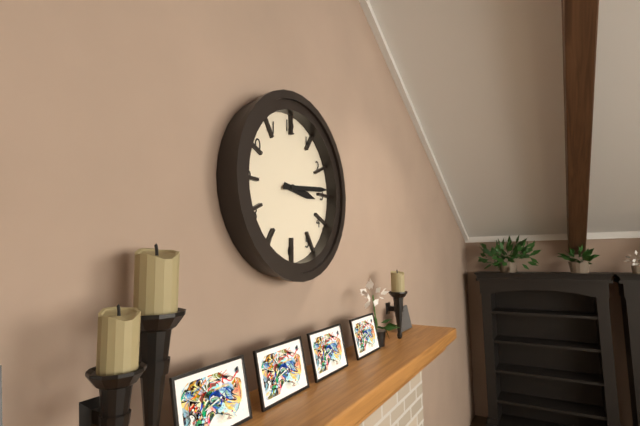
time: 3:14
